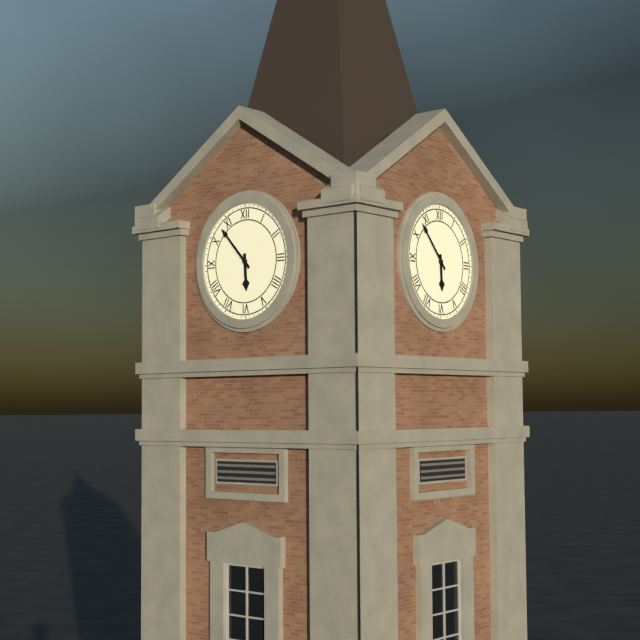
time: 5:53
